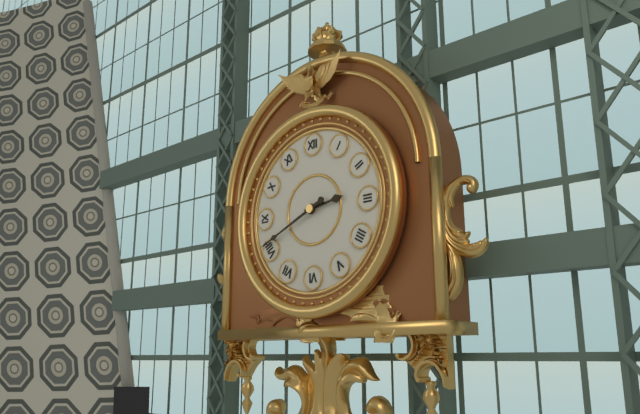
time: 2:41
